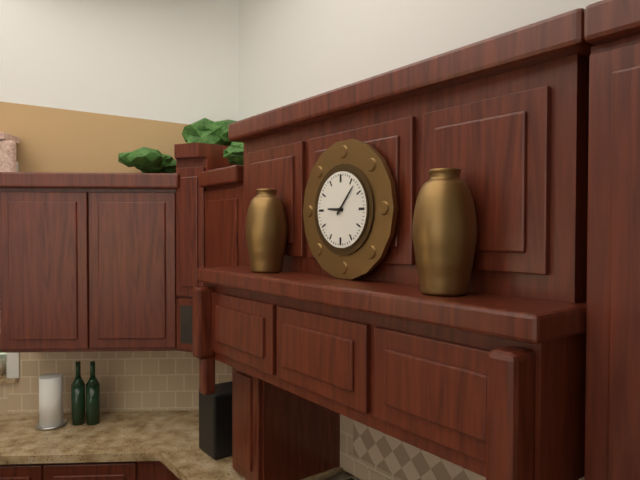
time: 9:07
